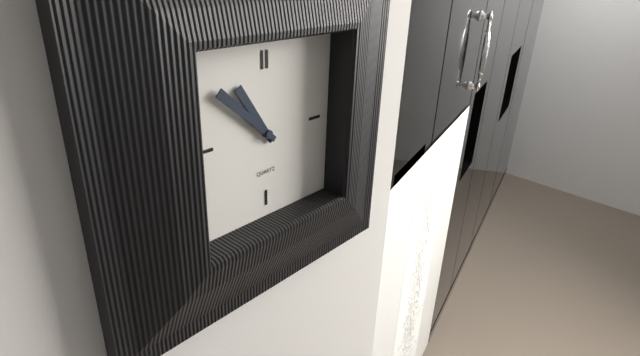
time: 10:52
